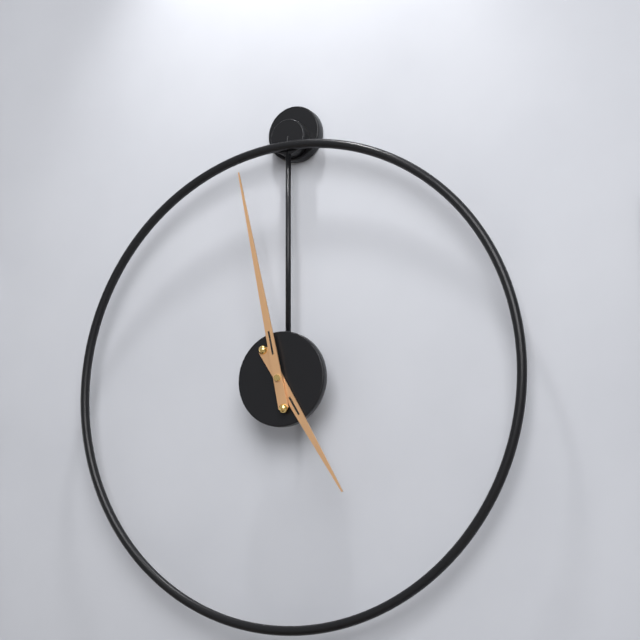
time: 4:58
